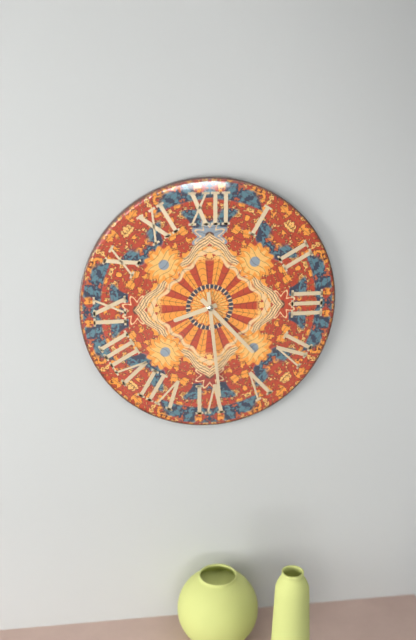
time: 8:23:29
